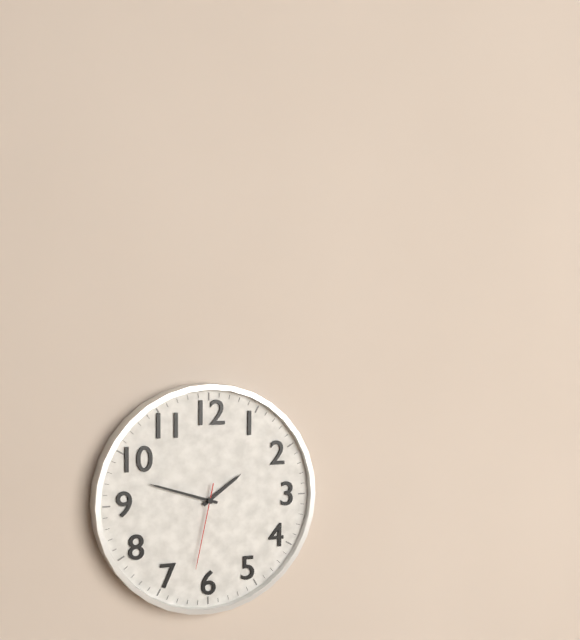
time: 1:48:32
